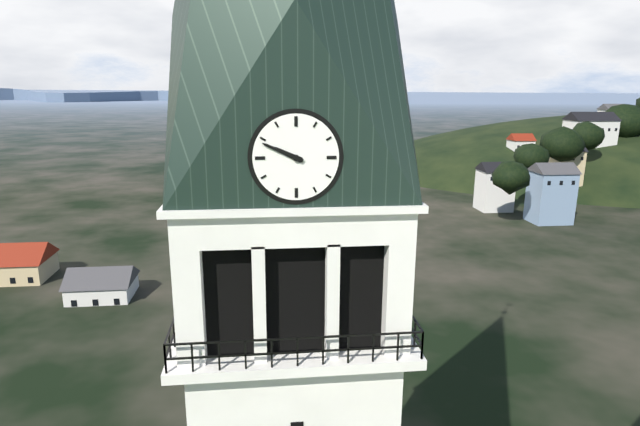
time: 9:49
